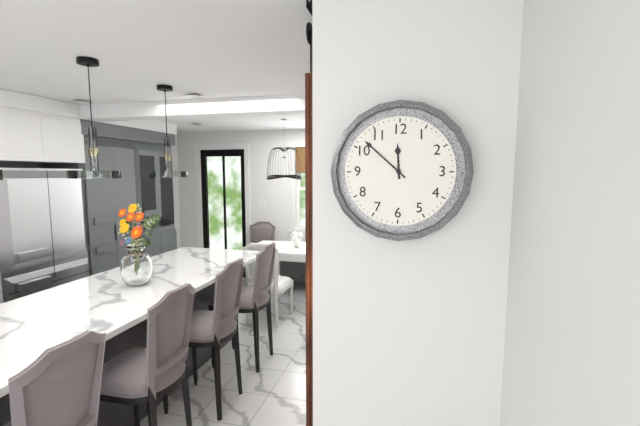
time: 11:52
